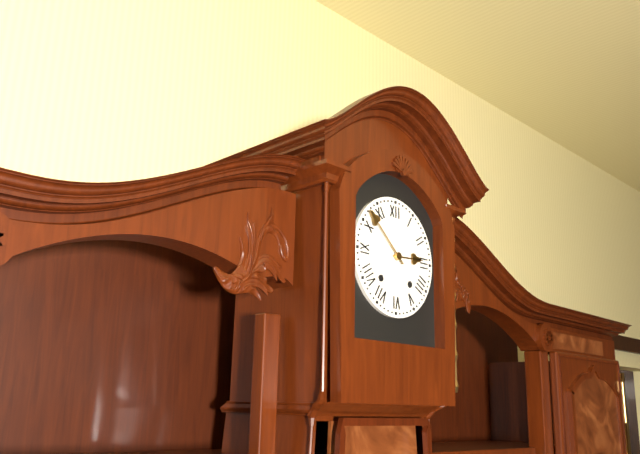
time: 2:52
